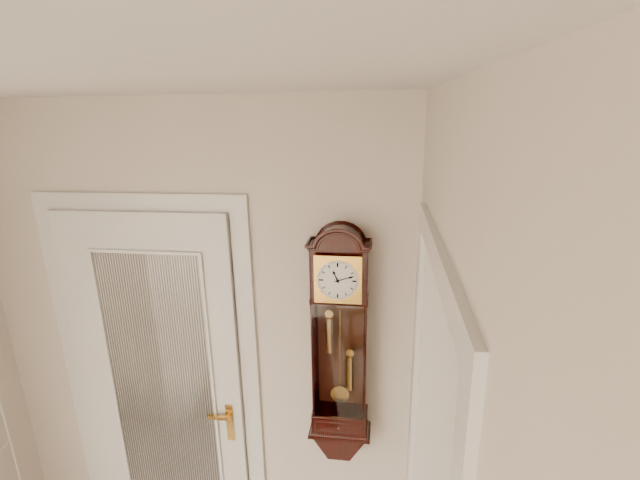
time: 11:12
